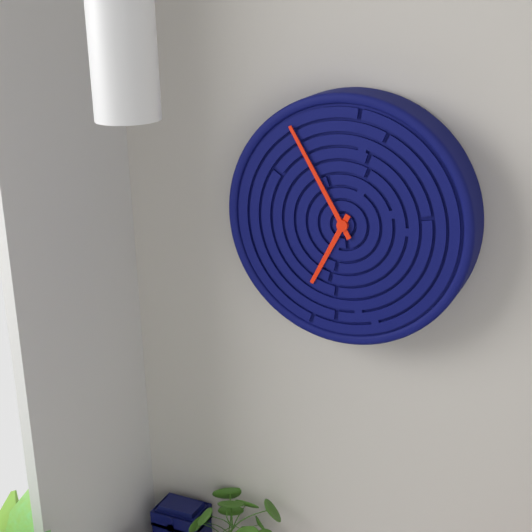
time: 6:55
